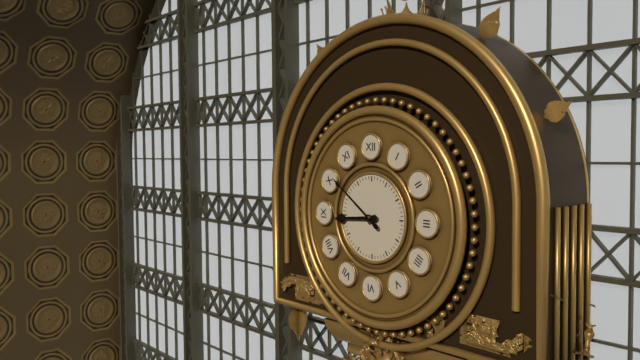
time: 8:51
